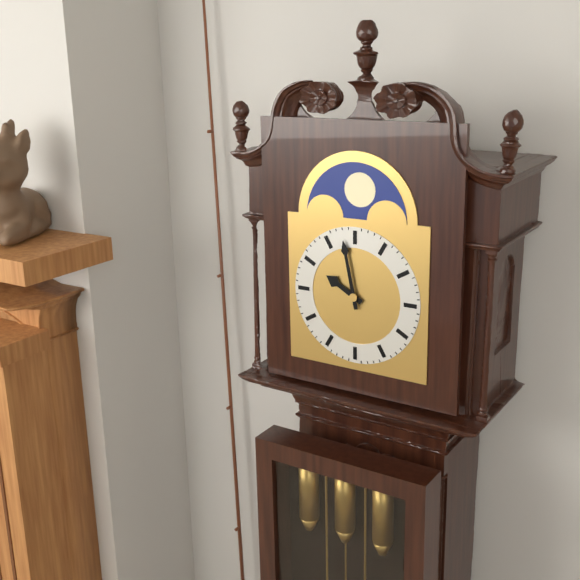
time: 9:58
